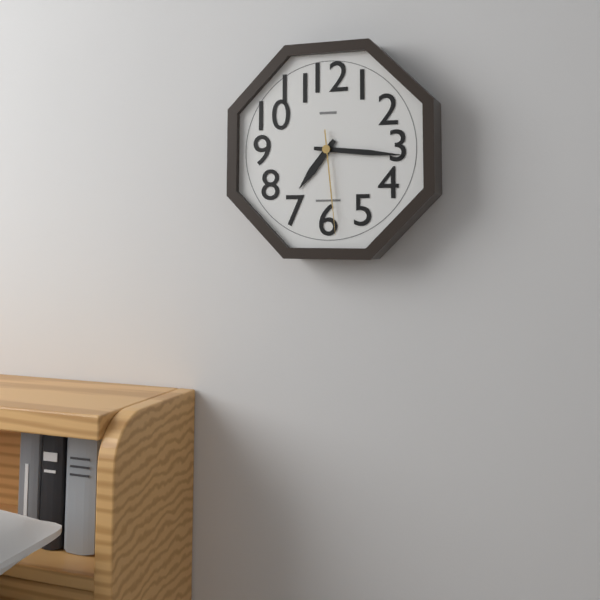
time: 7:16:29
